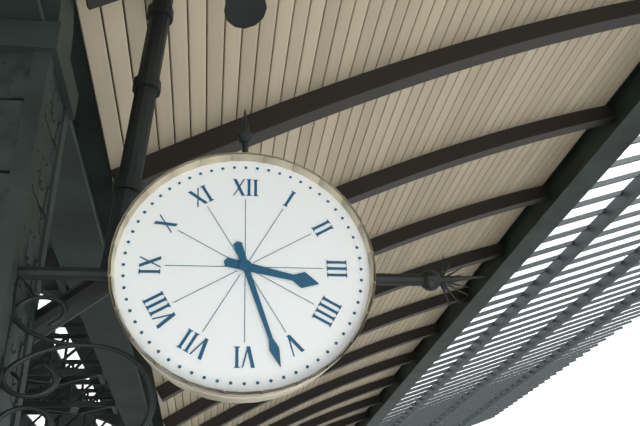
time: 3:27
